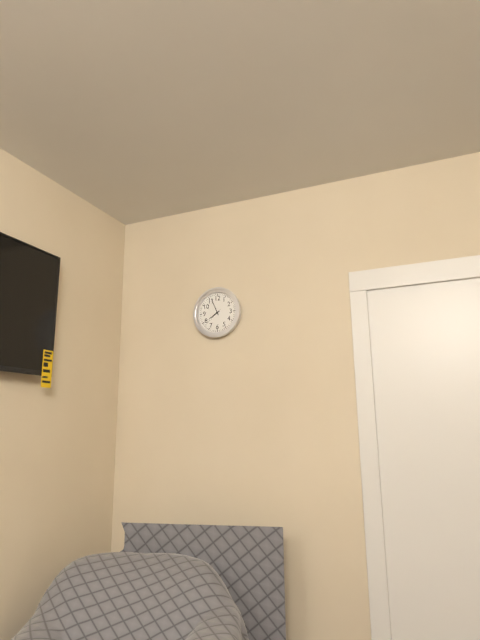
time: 7:56
